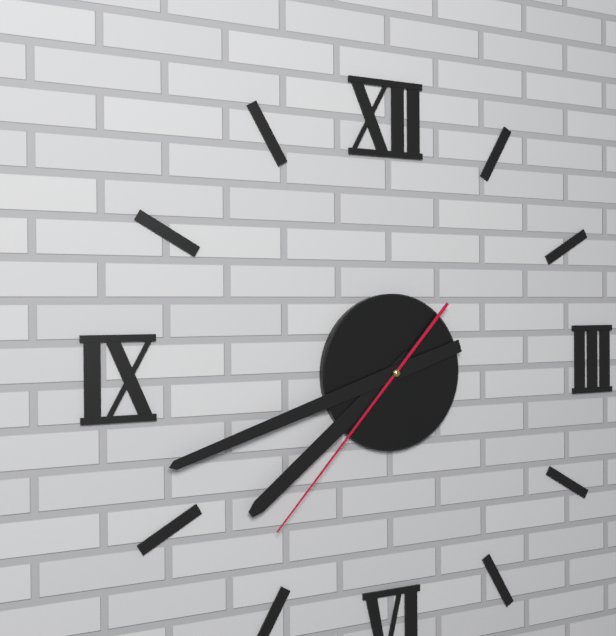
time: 7:42:37
